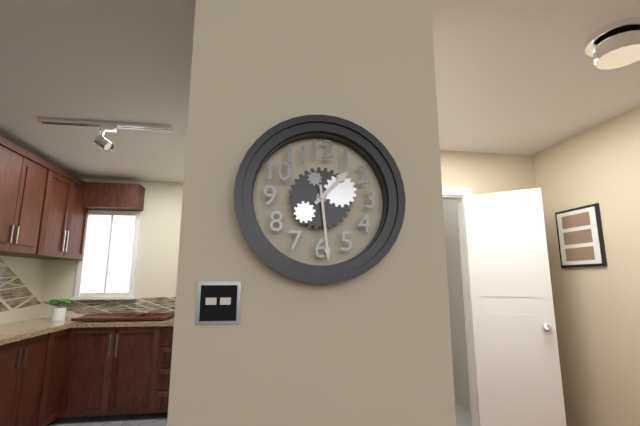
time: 1:29
